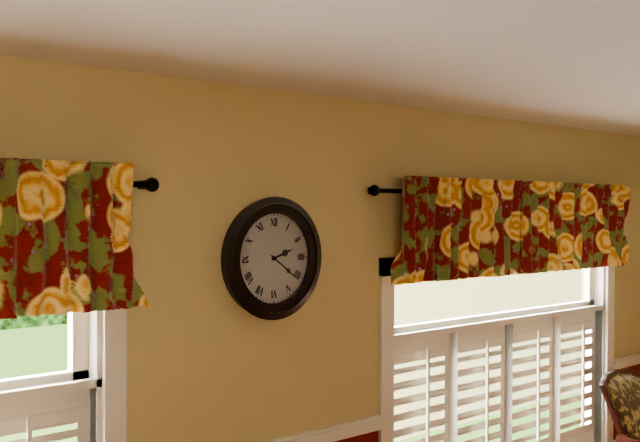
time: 2:21
